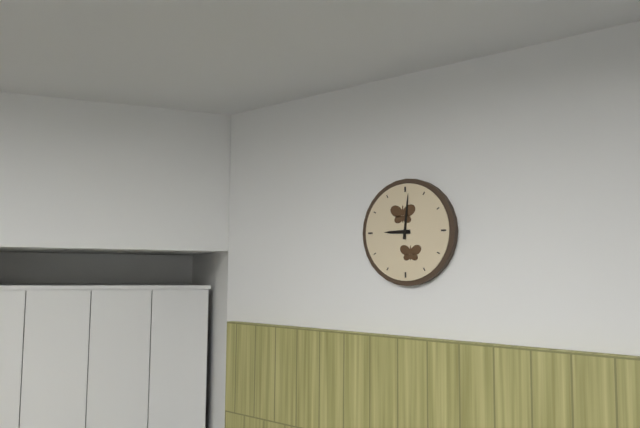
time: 9:01
